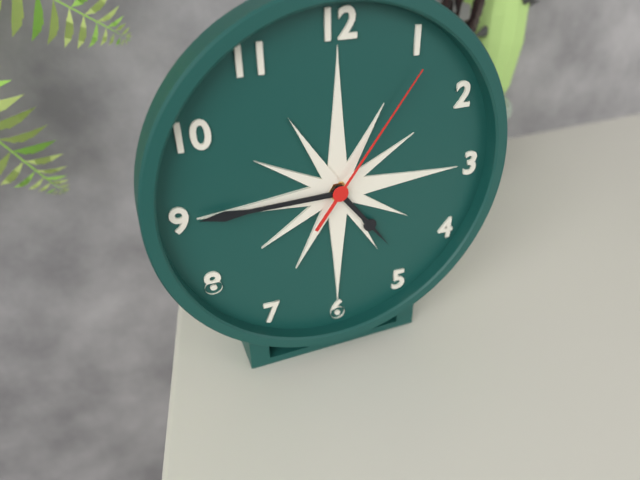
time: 4:45:06
